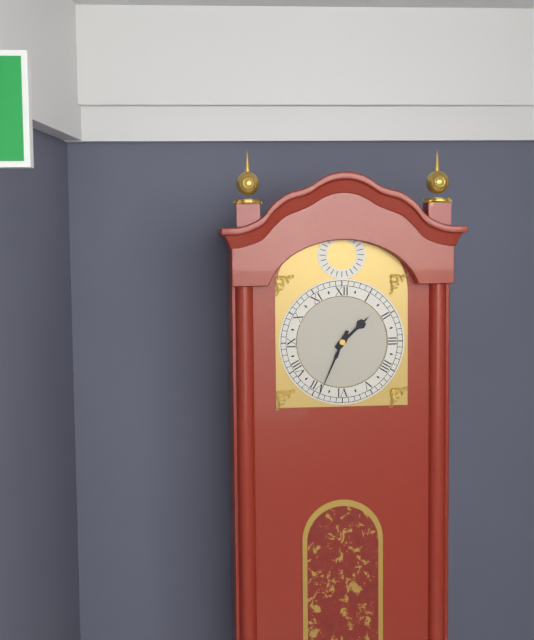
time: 1:34
